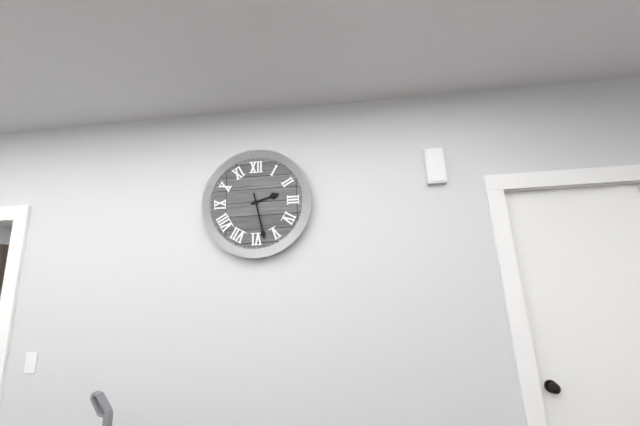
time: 2:28
